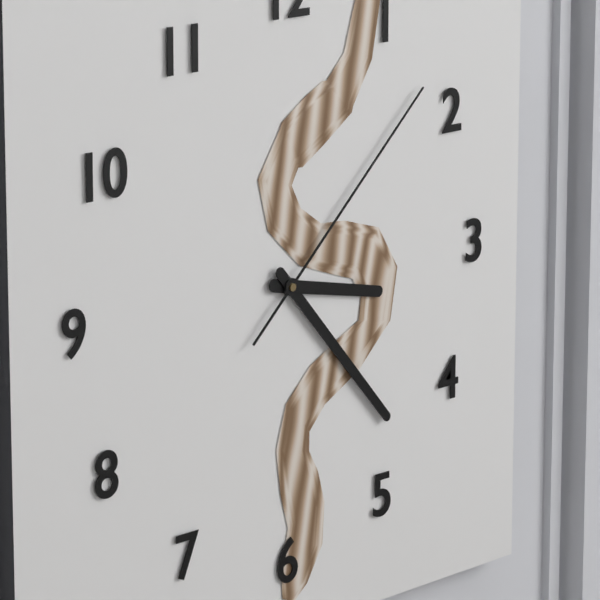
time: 3:23:08
